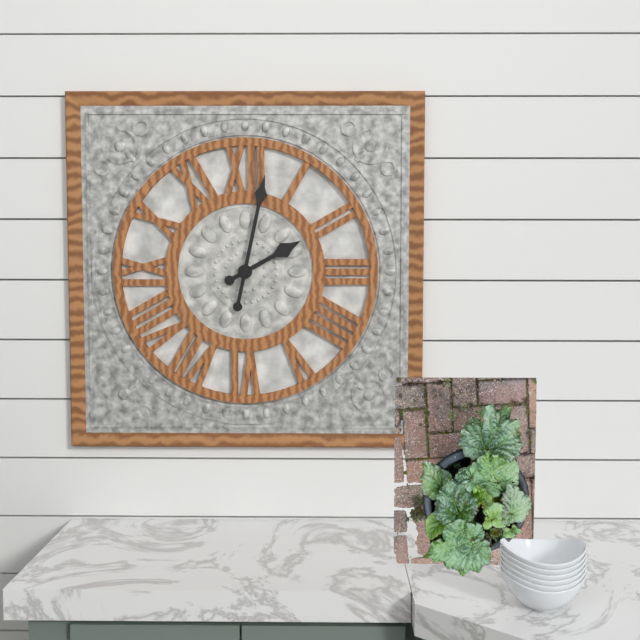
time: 2:02
